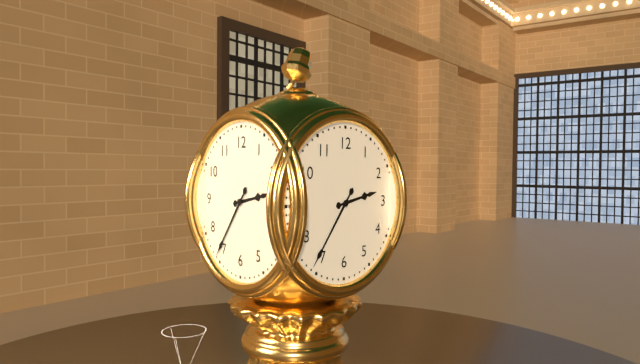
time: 2:36
